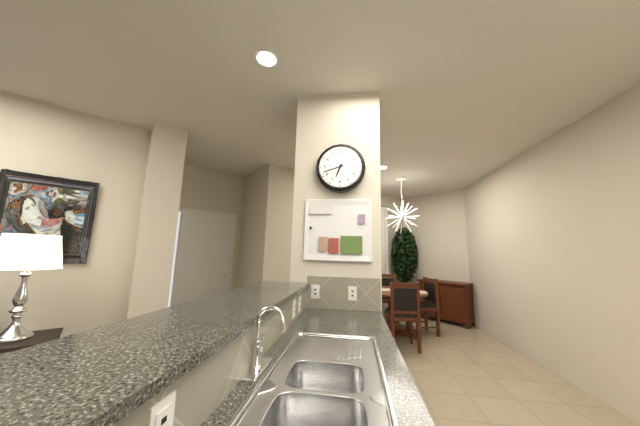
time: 6:42
